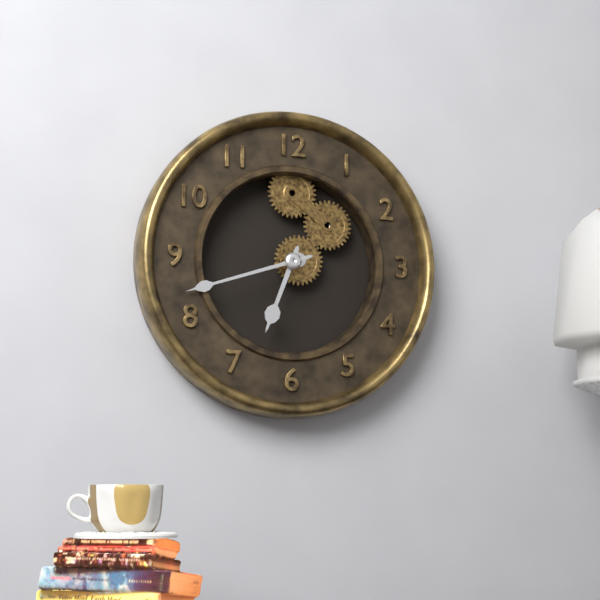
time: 6:42
